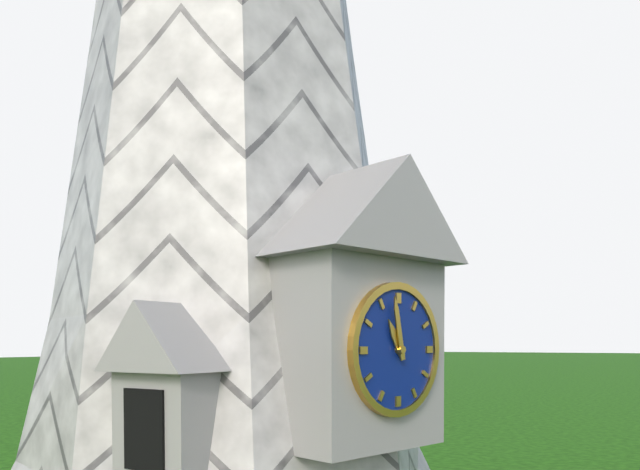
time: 10:58
